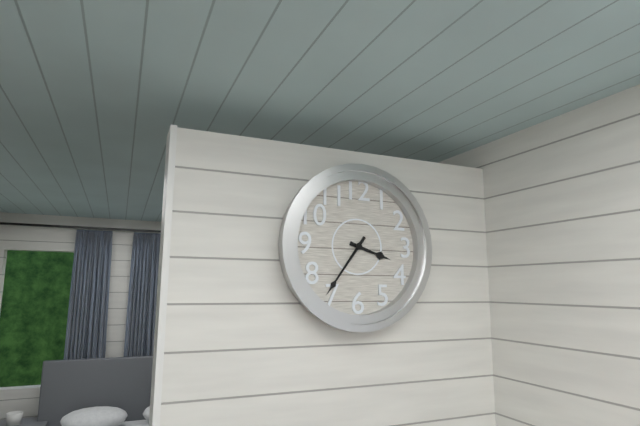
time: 3:36
